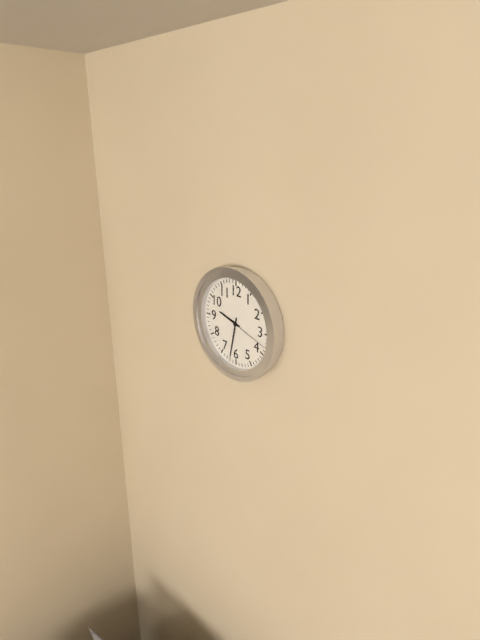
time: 9:32
